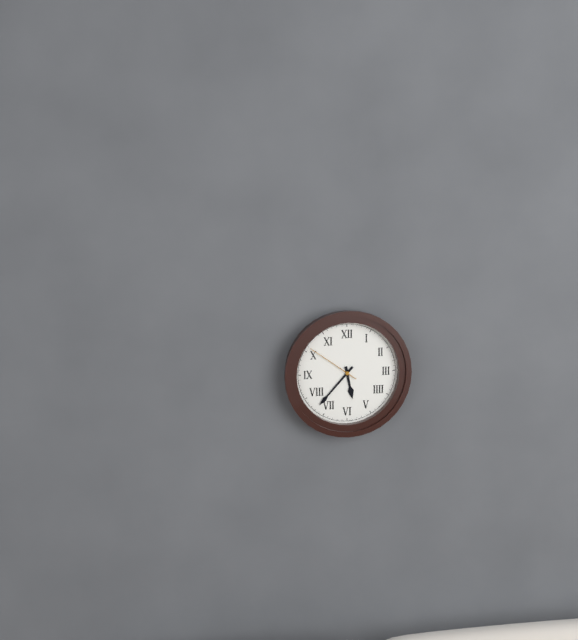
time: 5:37:51
